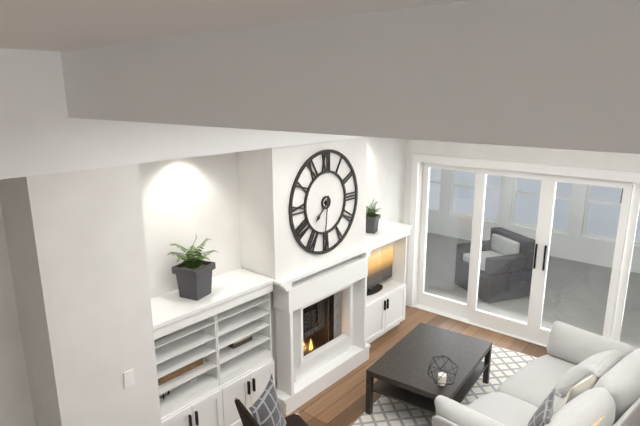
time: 7:31
